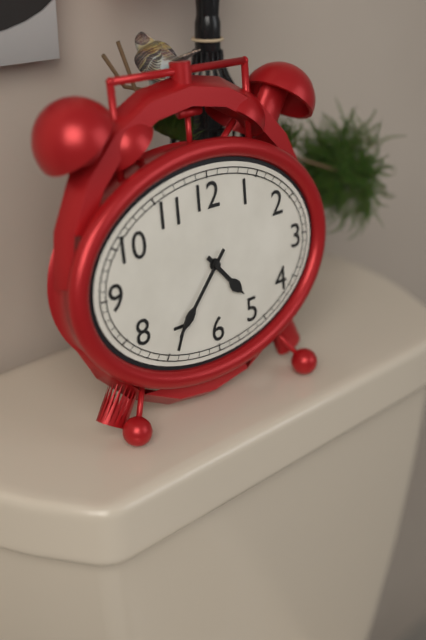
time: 4:37
